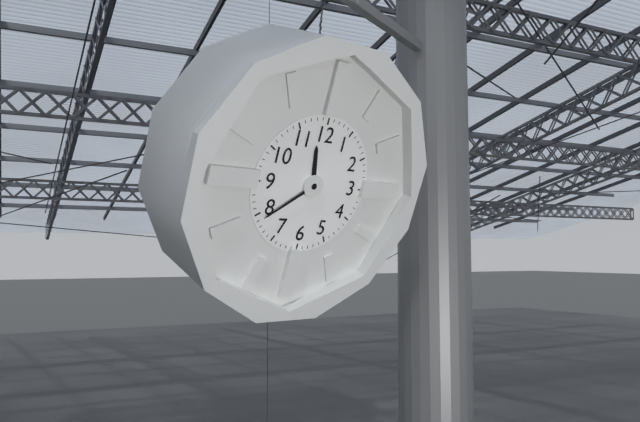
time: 11:39
